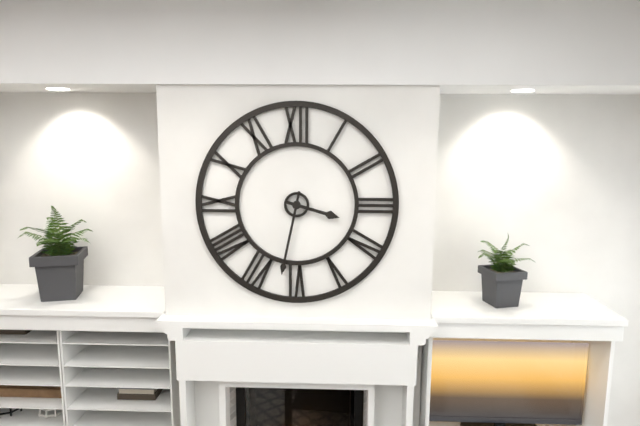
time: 3:32
